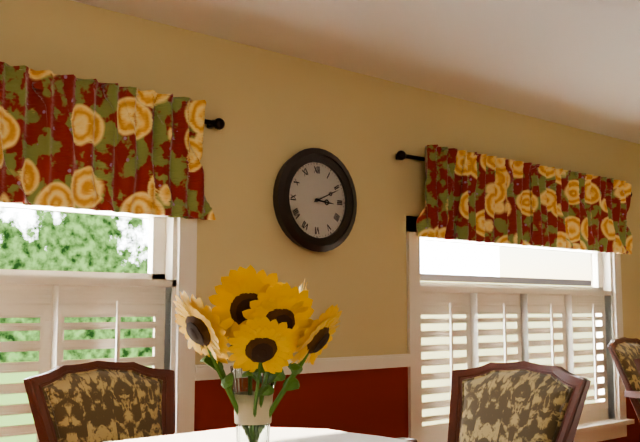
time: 3:11
